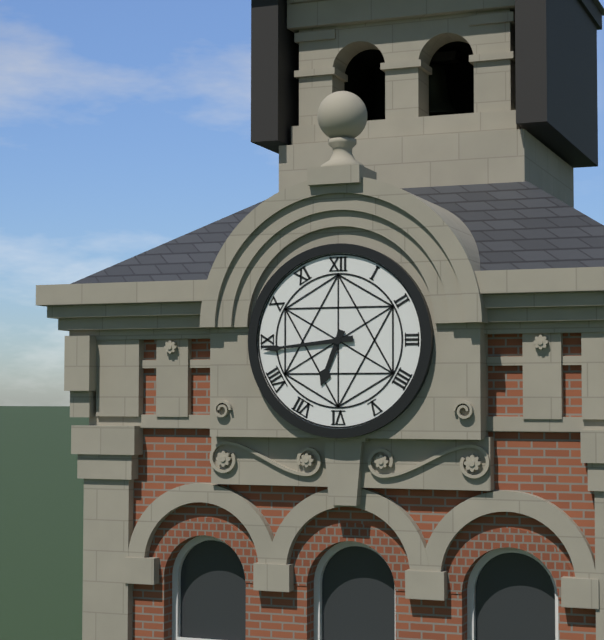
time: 6:44
